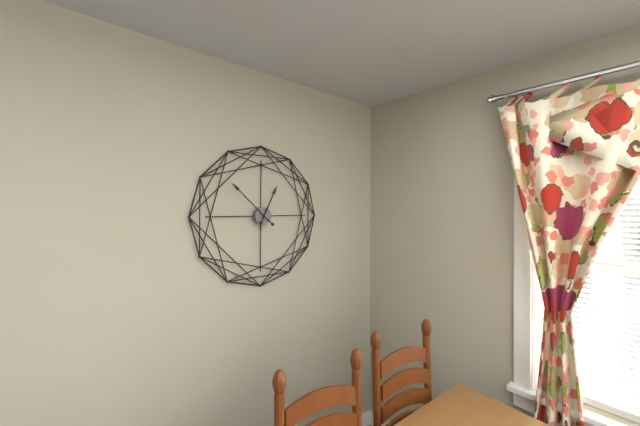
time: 12:52
